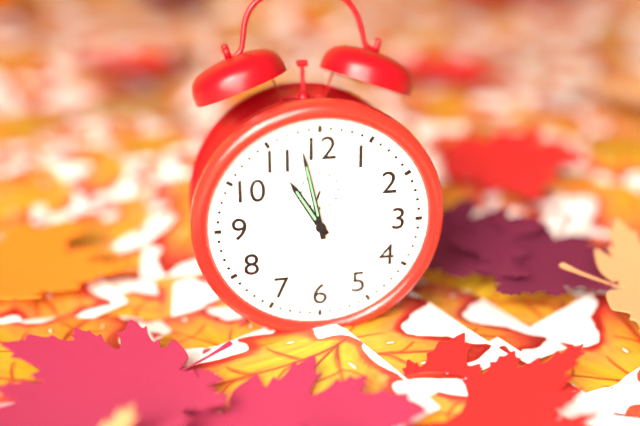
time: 10:58
